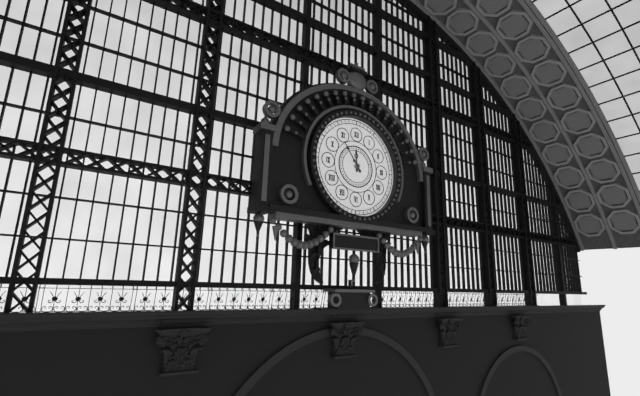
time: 11:54
